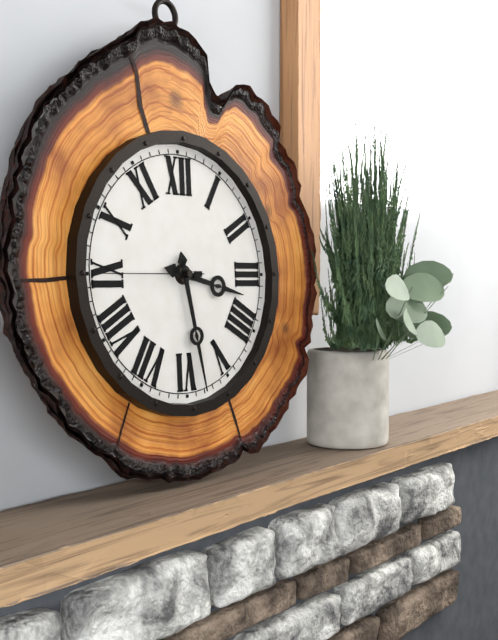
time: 3:28:45
